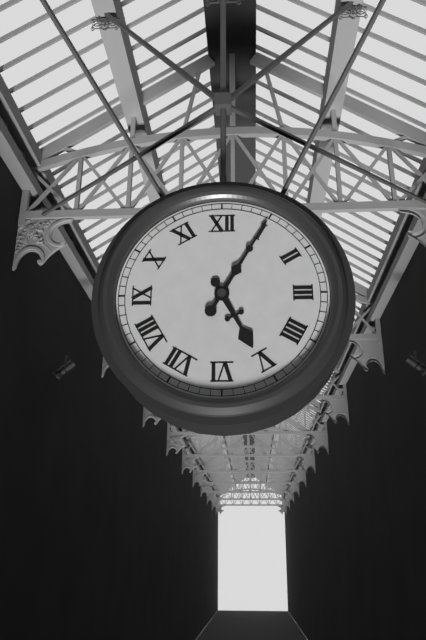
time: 5:05
